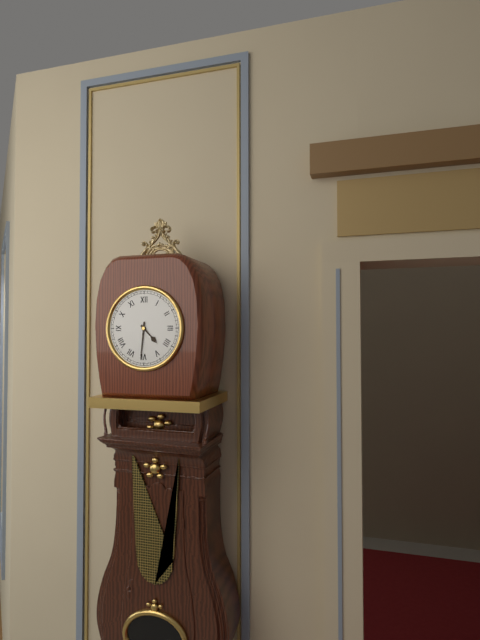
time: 4:31
